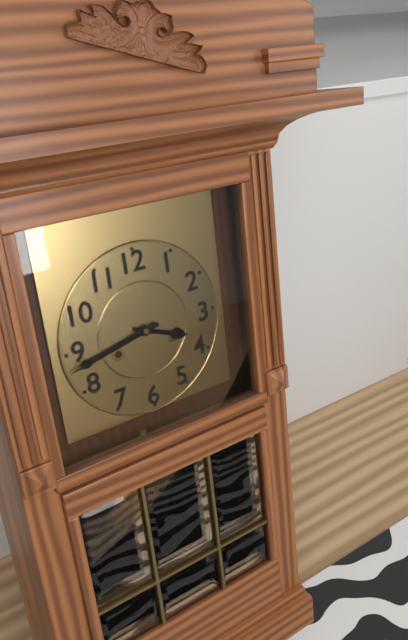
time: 3:43
